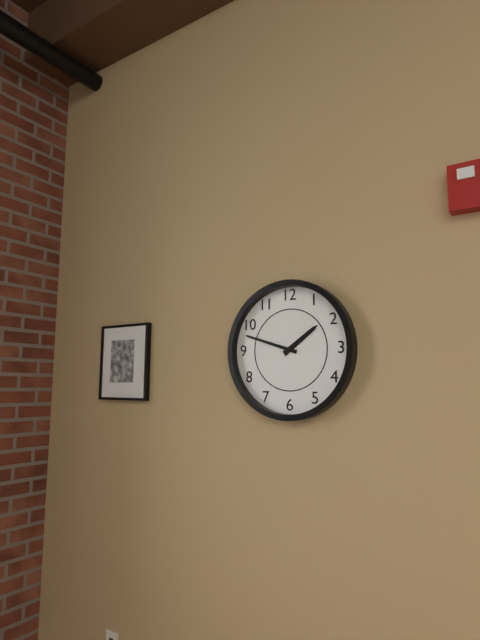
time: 1:48
